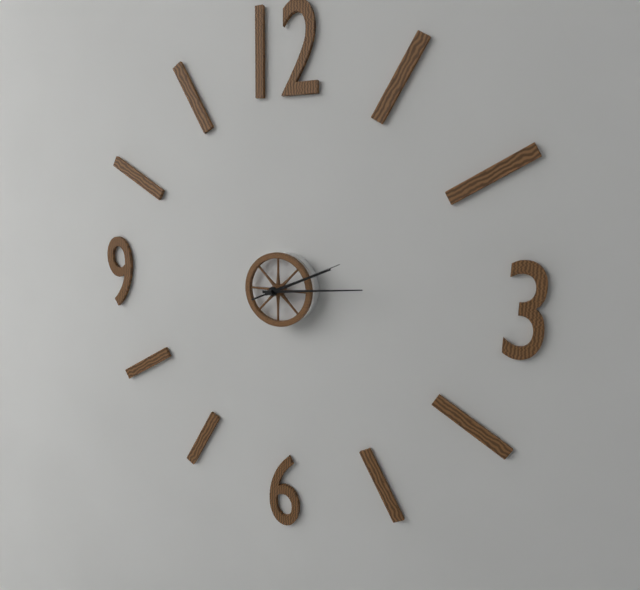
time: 2:14:11
